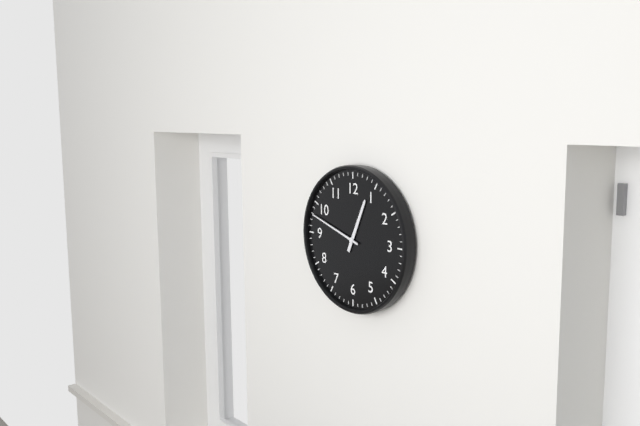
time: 12:48
